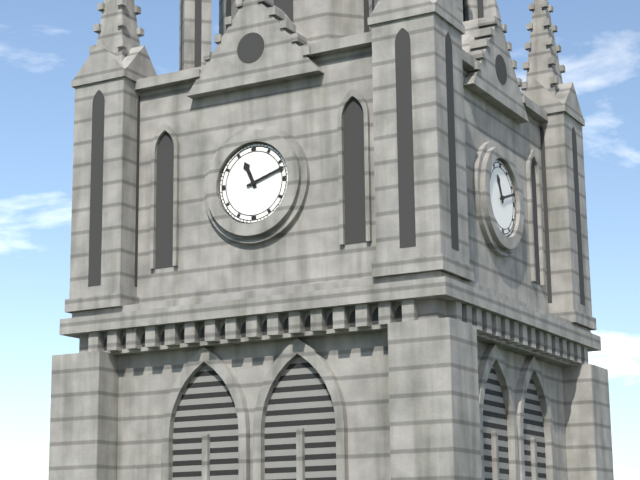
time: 11:12
